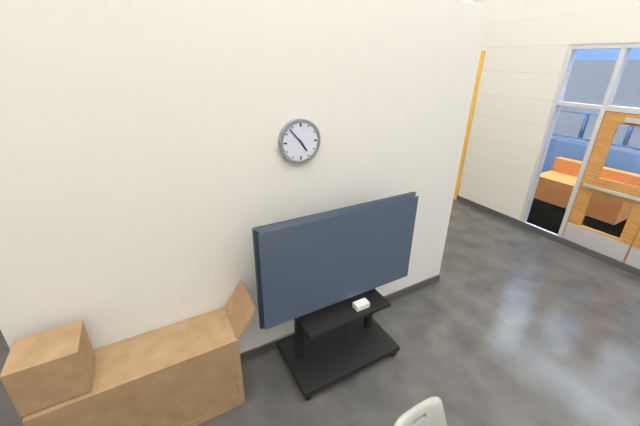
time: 4:53
